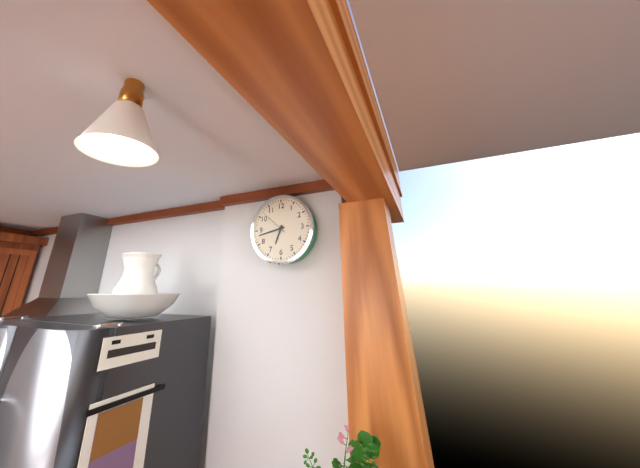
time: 6:43
